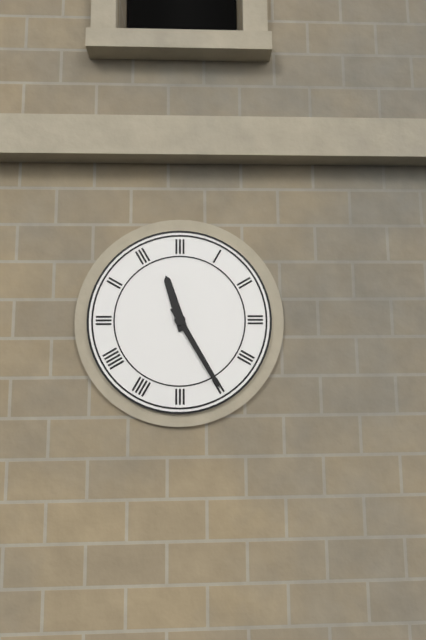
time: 11:25
